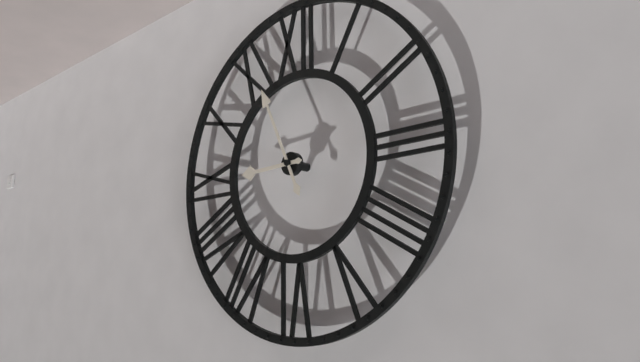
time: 8:56
